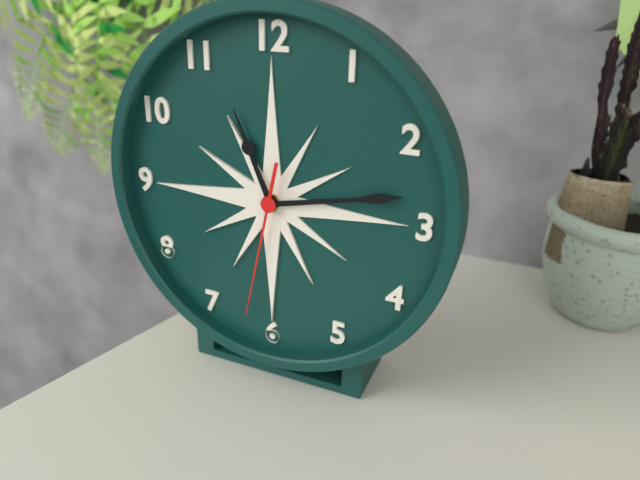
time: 11:13:32
